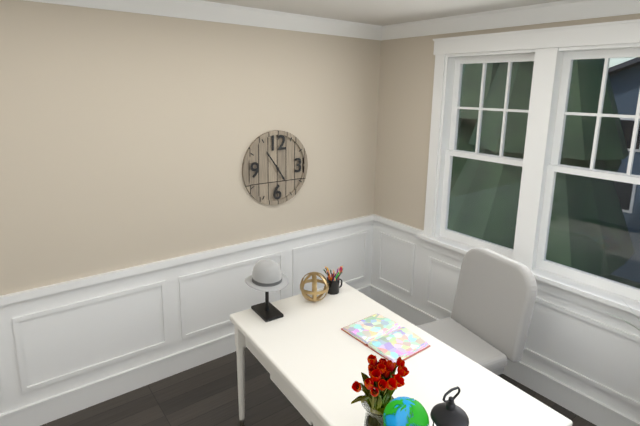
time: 4:54
